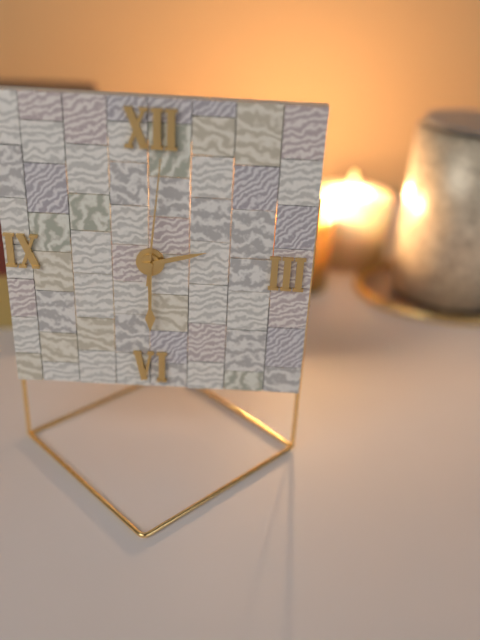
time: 2:30:01
